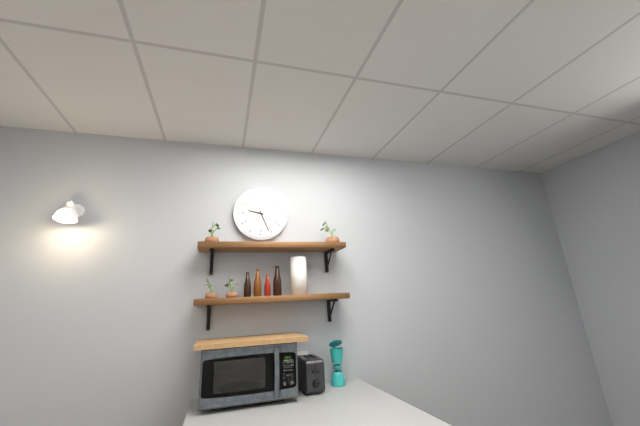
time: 9:26
